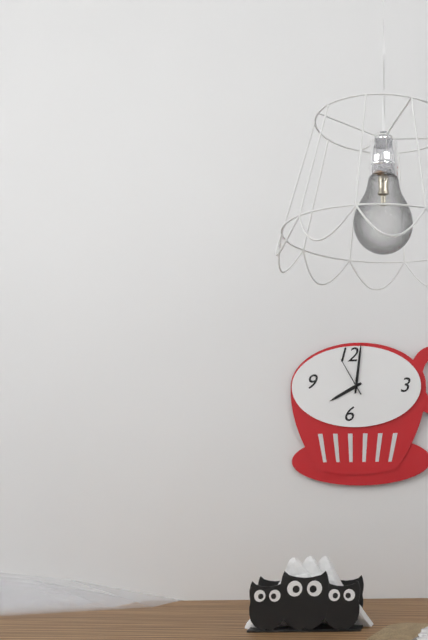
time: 8:01
